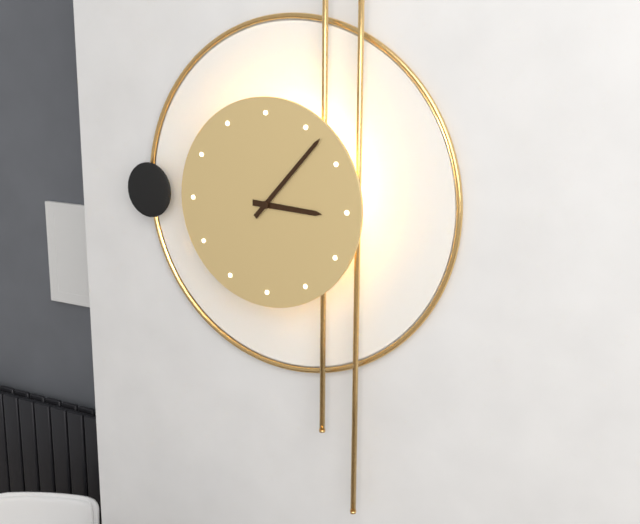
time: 3:07
